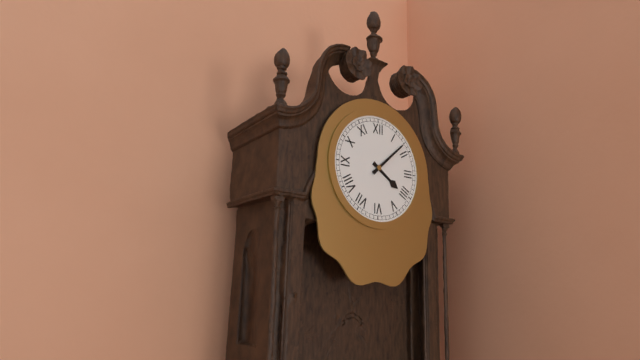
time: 4:08
